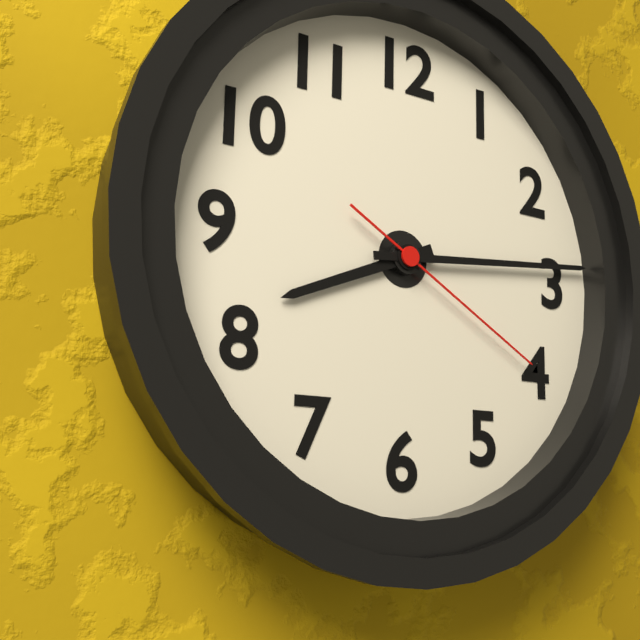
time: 8:14:20
